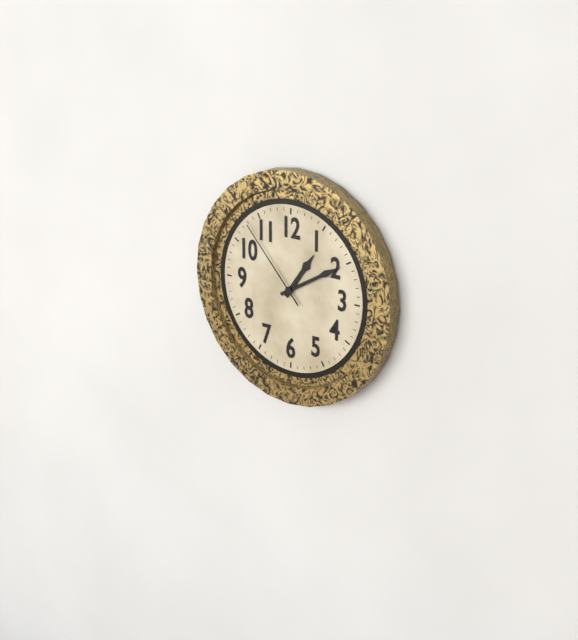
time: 1:10:53
